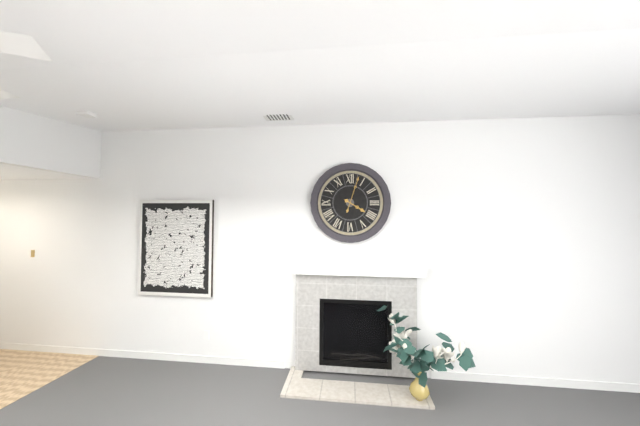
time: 4:03
